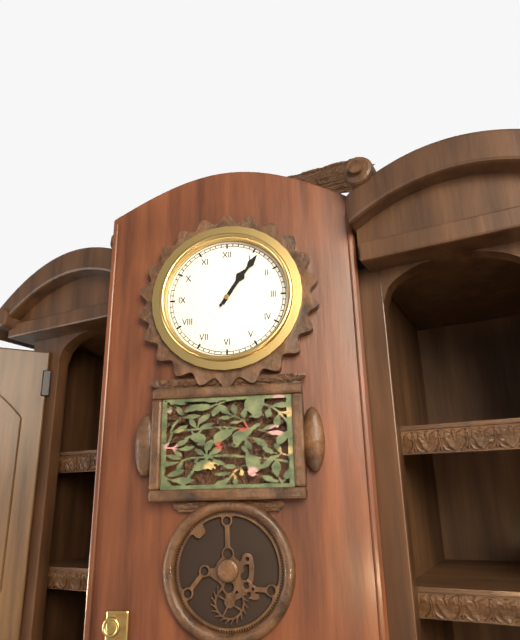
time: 1:06
